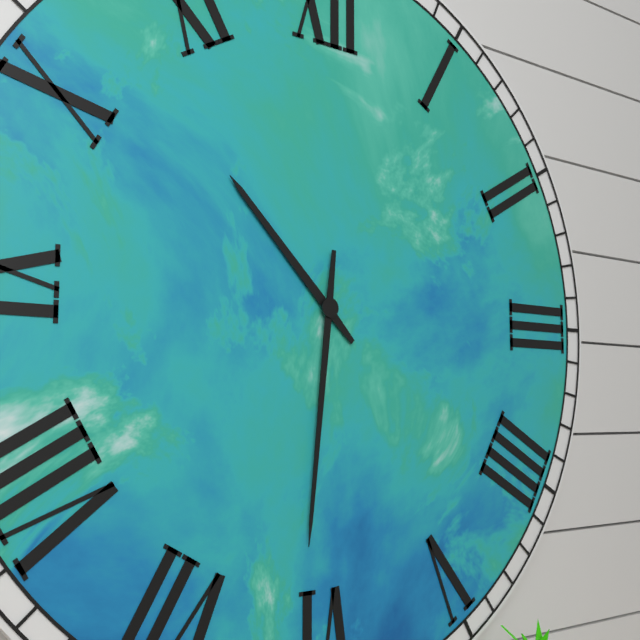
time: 10:31
